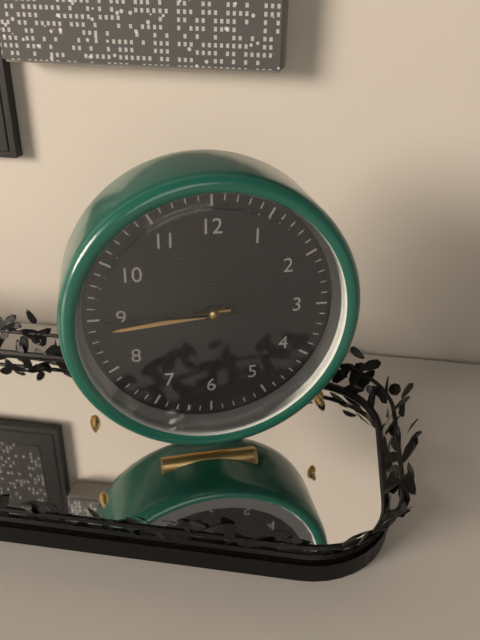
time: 8:44:45
